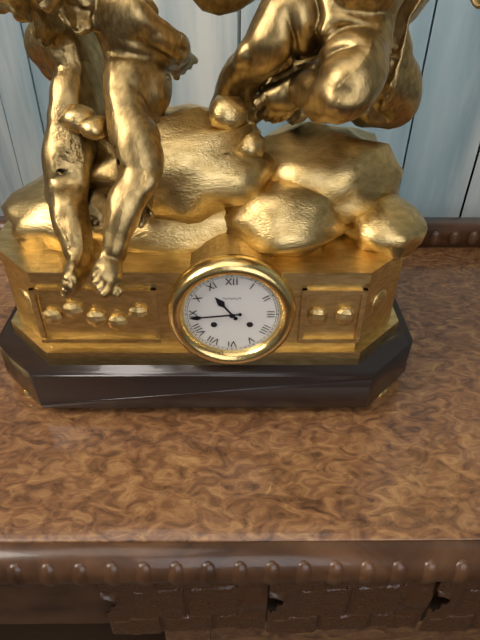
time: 10:44
